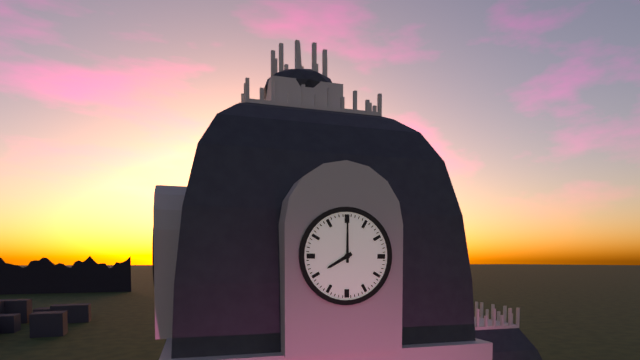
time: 8:00
